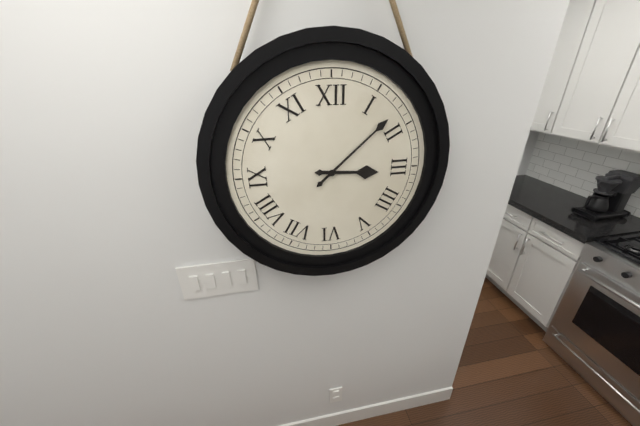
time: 3:08
